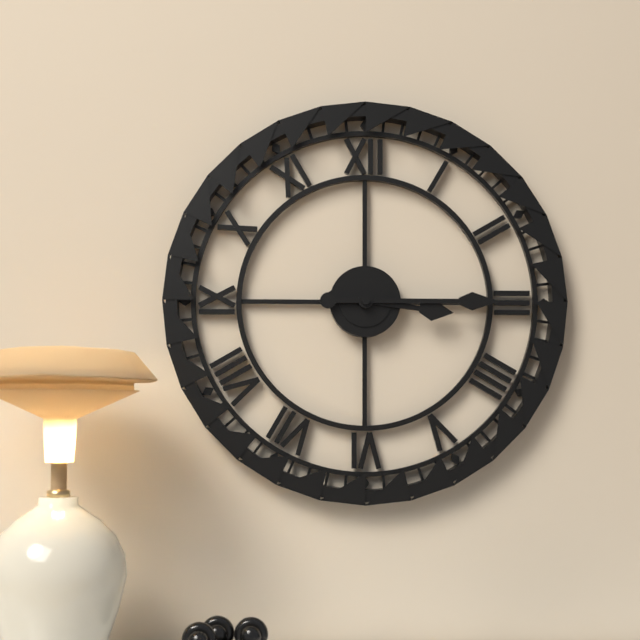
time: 3:15
